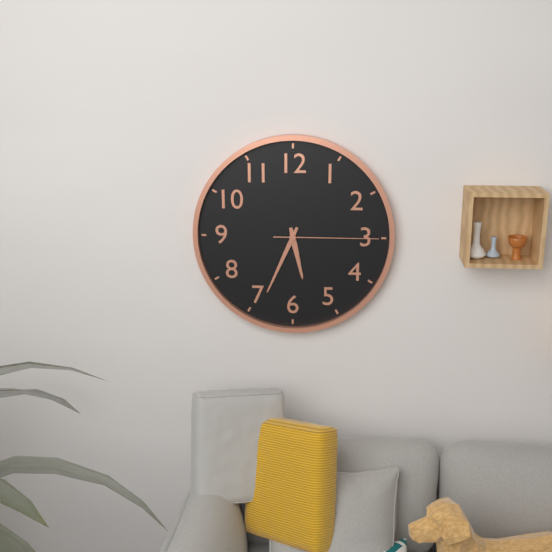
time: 5:34:15
